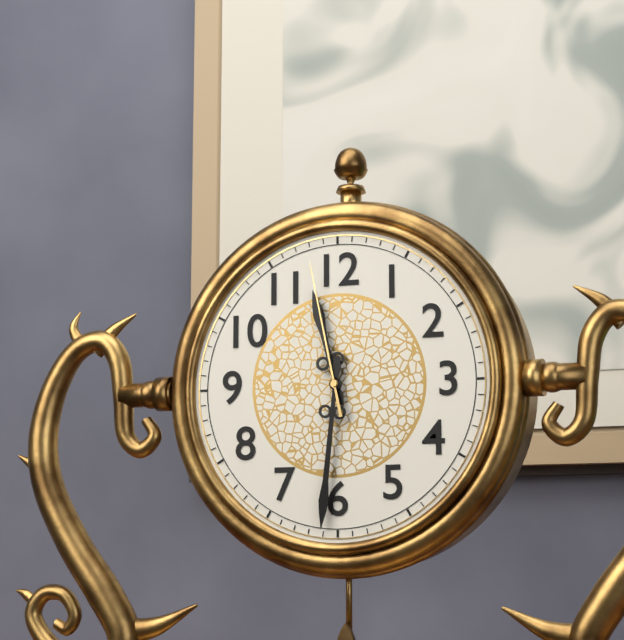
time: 11:31:58
